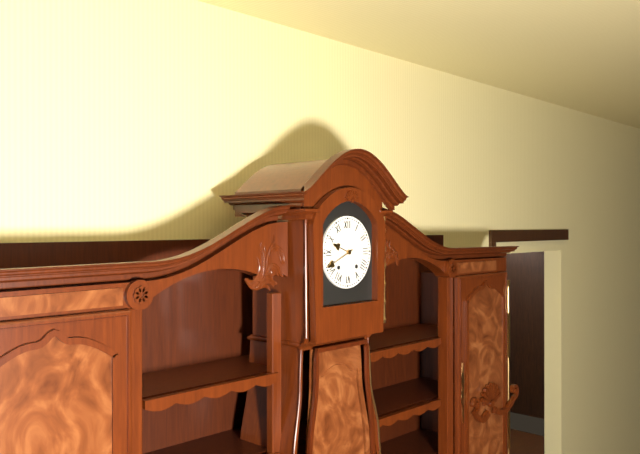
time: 9:41
